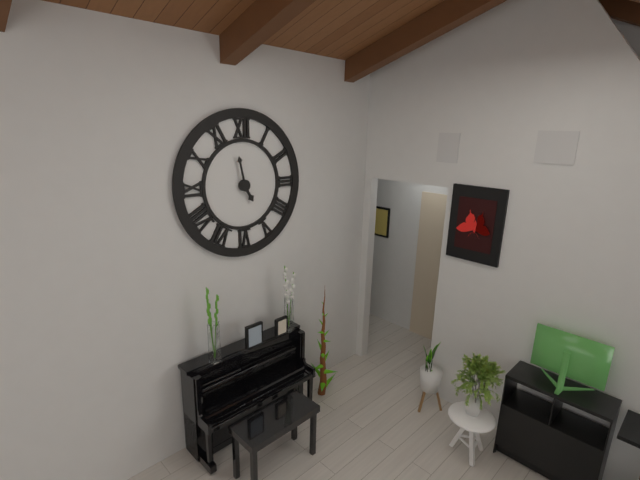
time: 4:58
